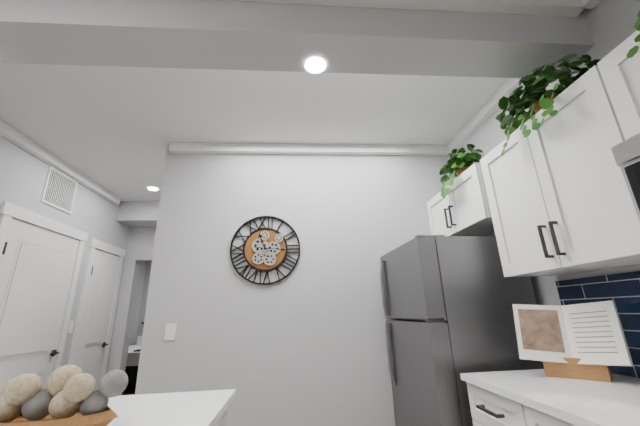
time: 11:16
